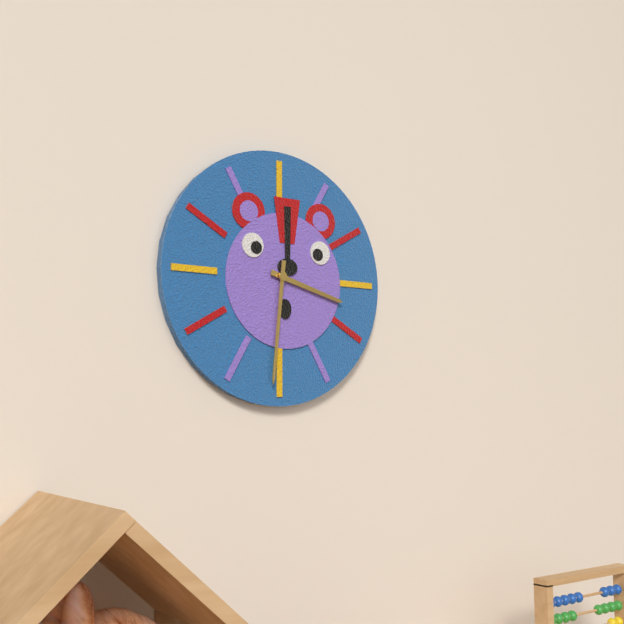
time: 3:31
